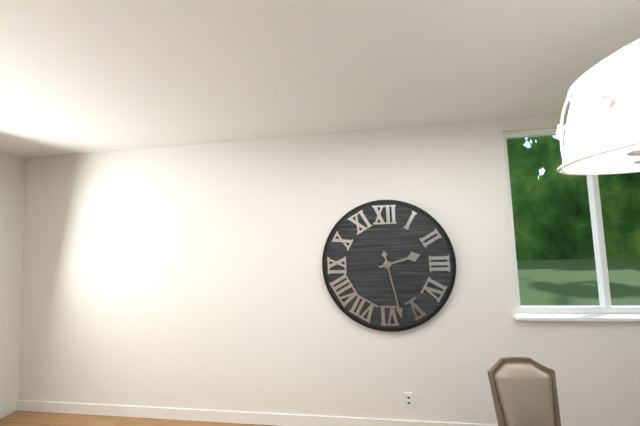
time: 2:28
